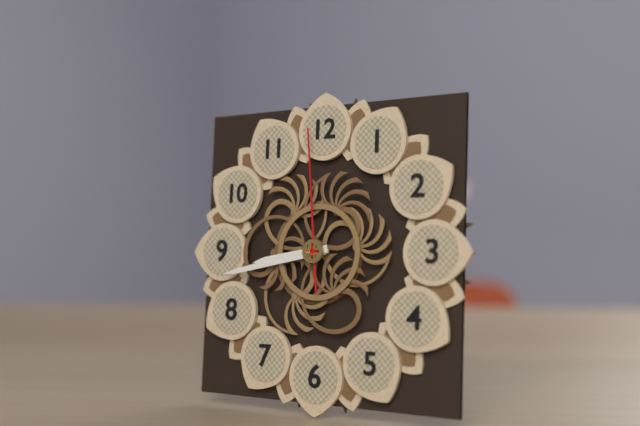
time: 8:43:59
